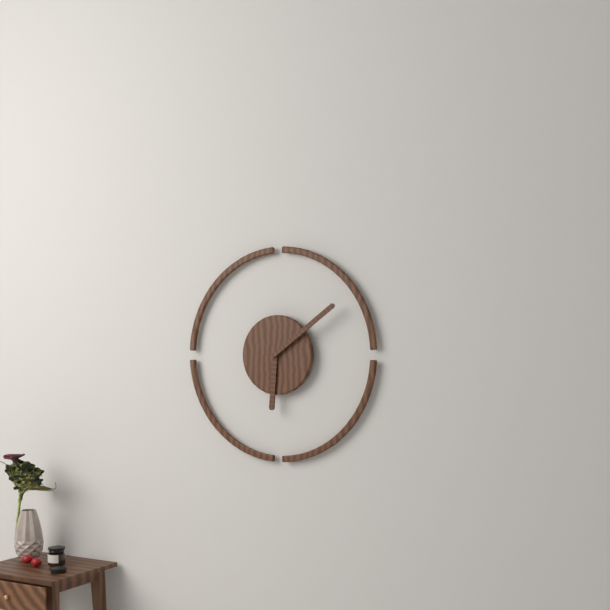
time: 6:09
